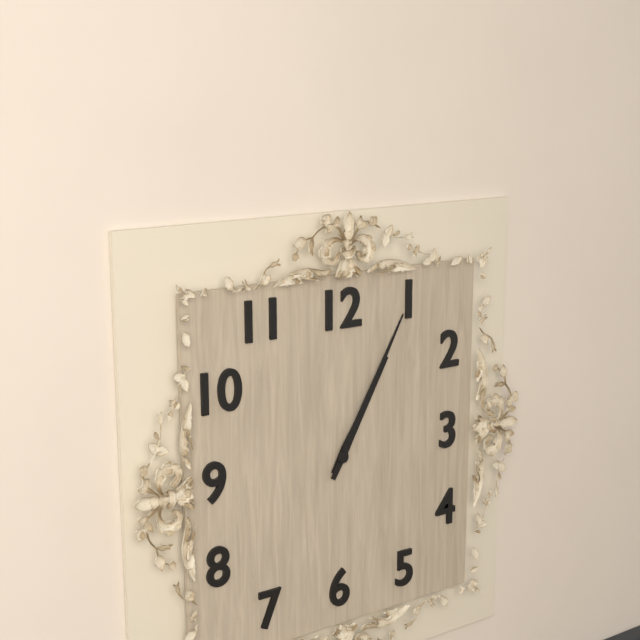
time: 1:05
